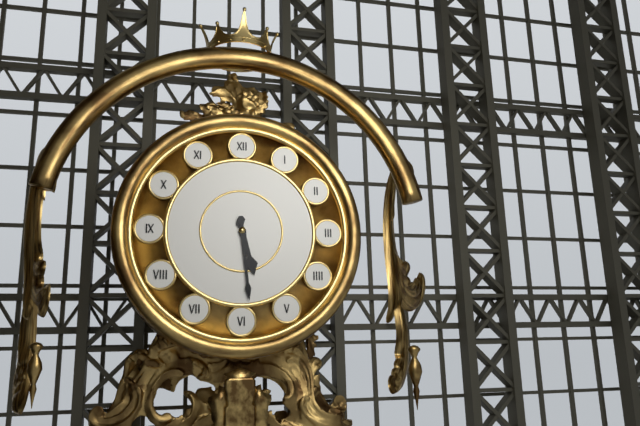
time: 5:29
